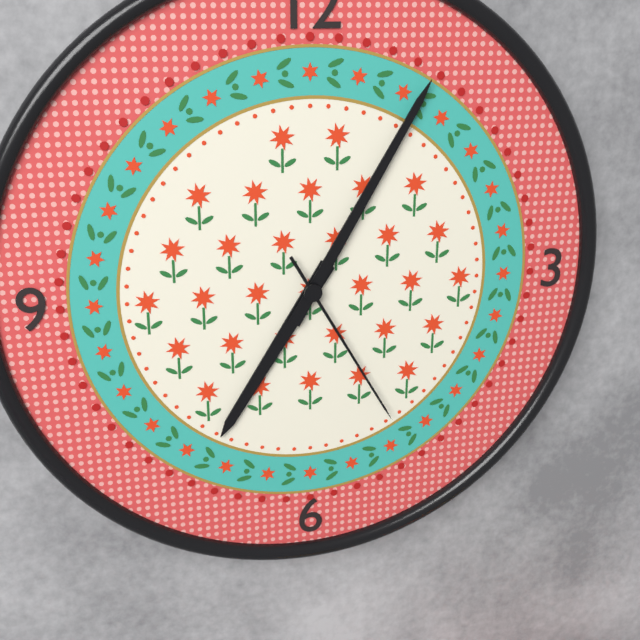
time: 7:05:25
